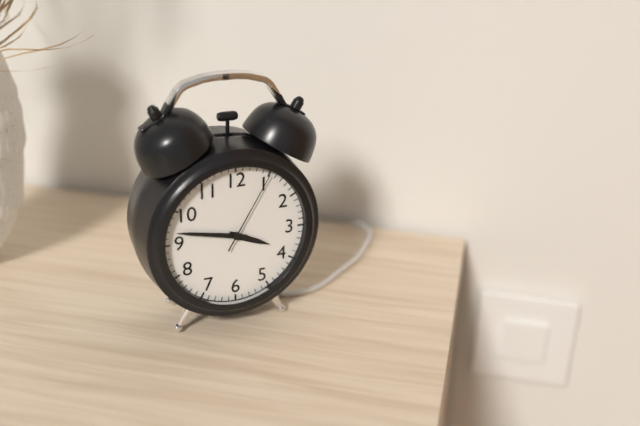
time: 3:47:05
